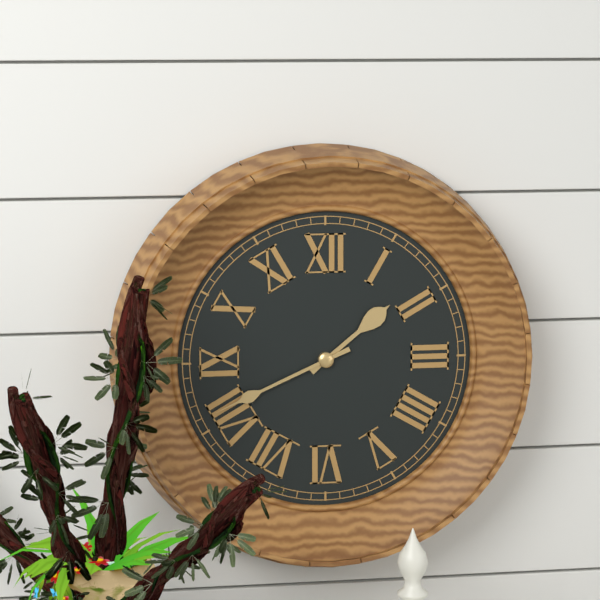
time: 1:41
